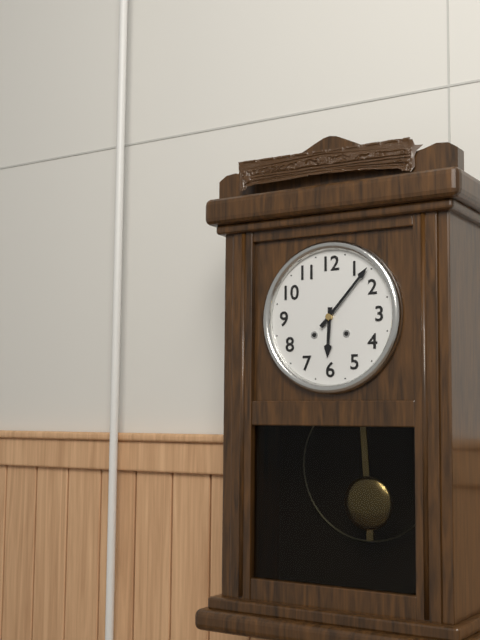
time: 6:07
